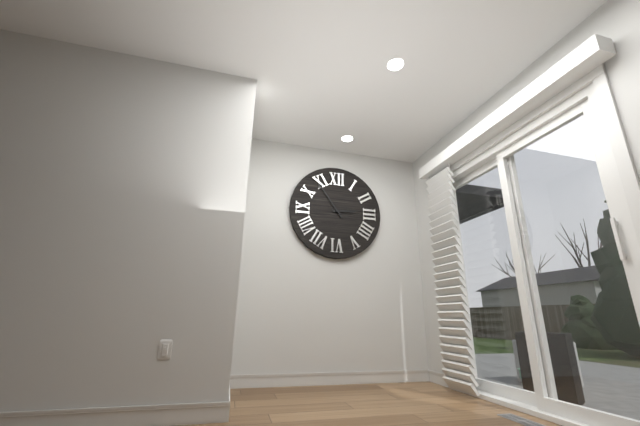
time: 2:54
